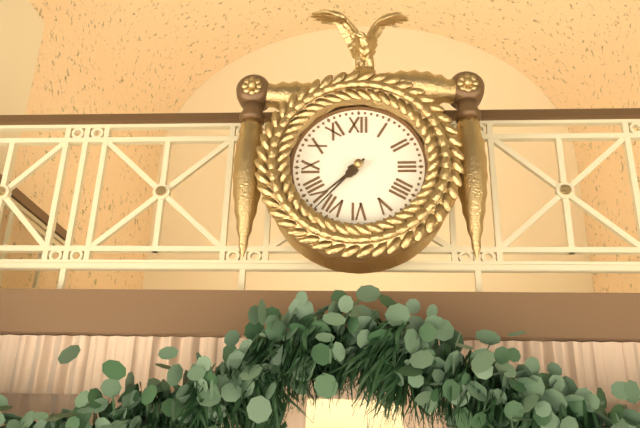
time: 7:37
